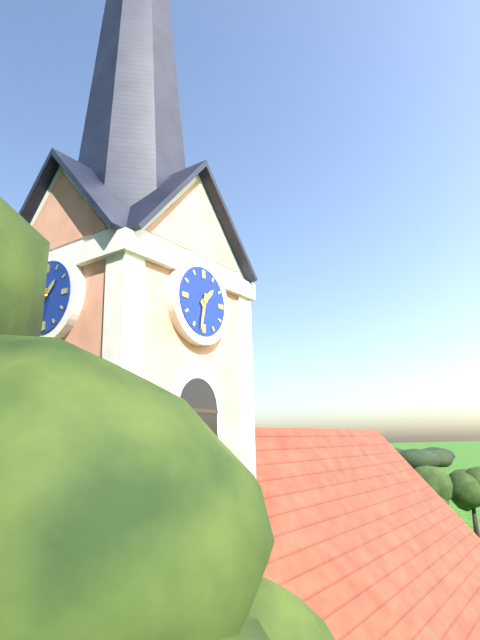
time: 1:32
